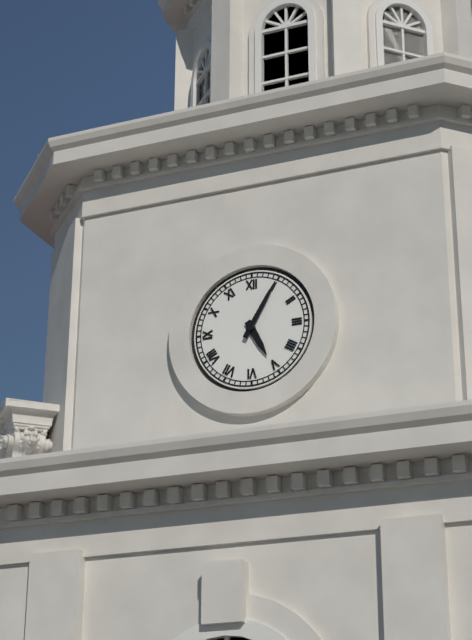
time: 5:05
